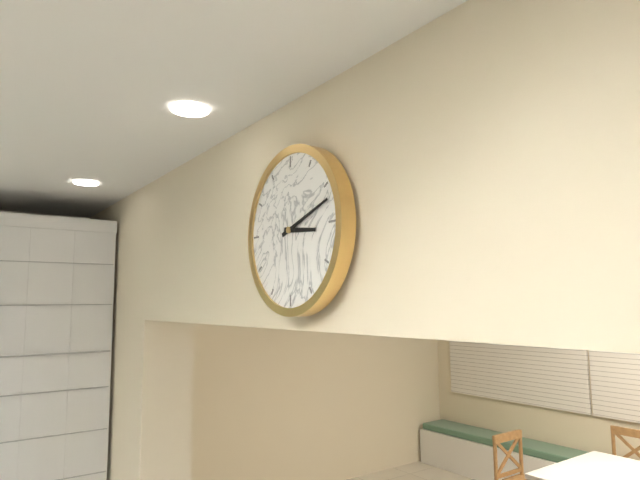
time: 3:12
